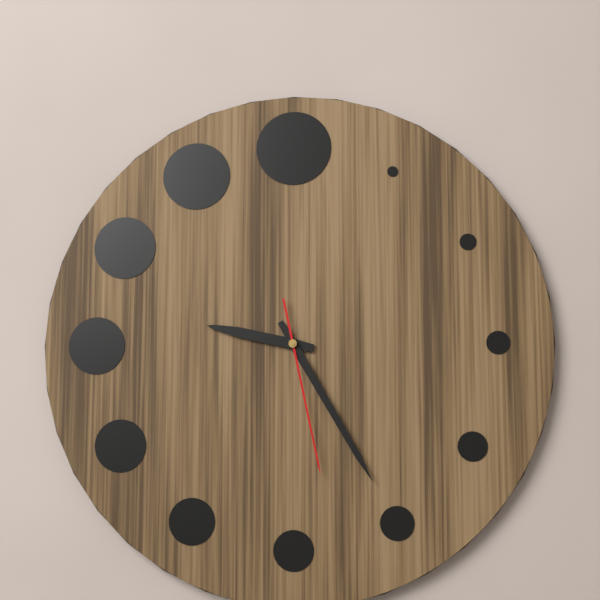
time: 9:25:28
